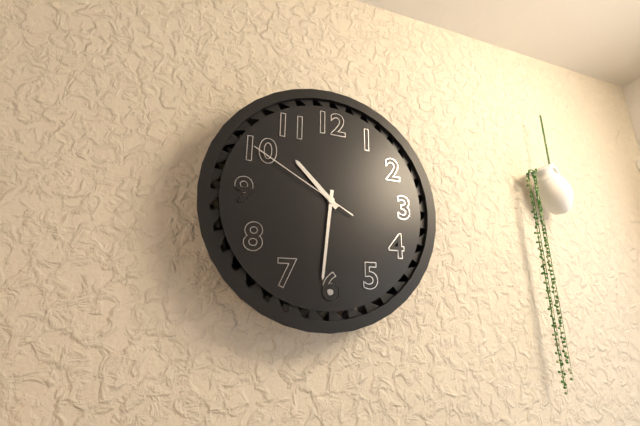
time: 10:31:50
